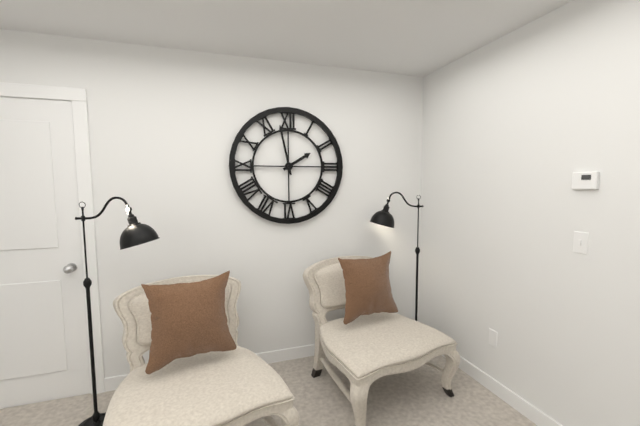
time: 1:58
